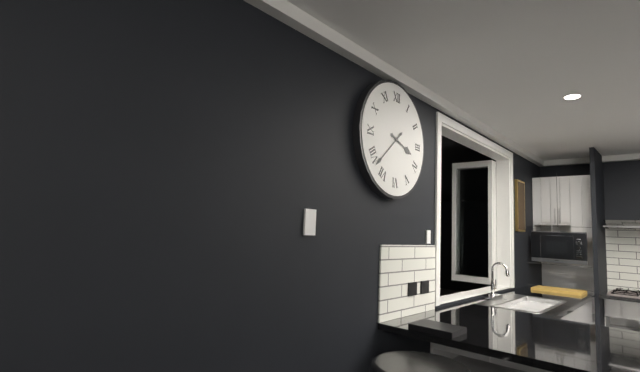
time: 3:38
